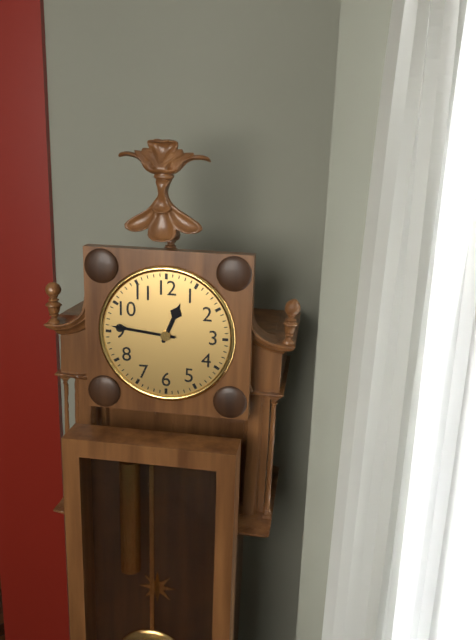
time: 12:46
